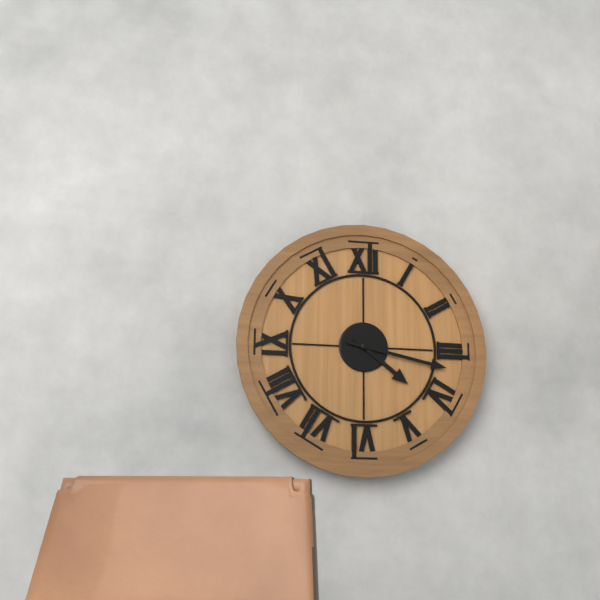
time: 4:17
